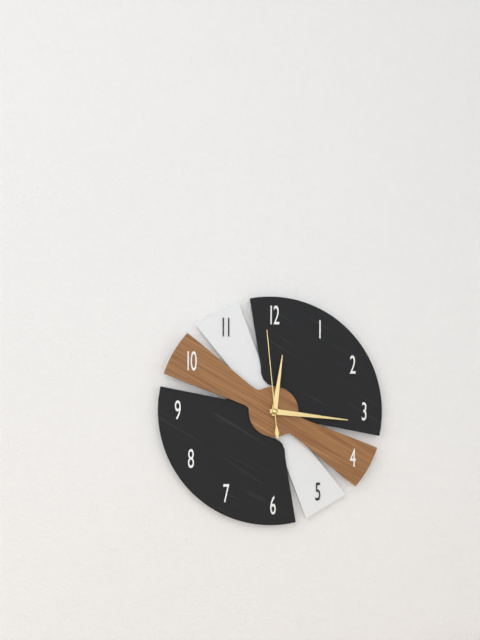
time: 12:16:59
